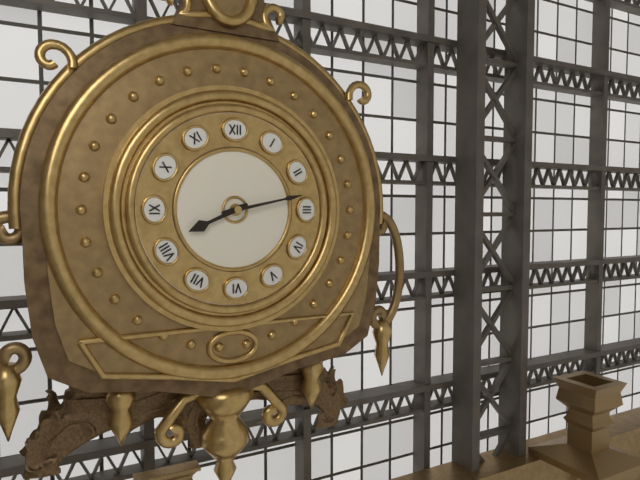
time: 8:13
